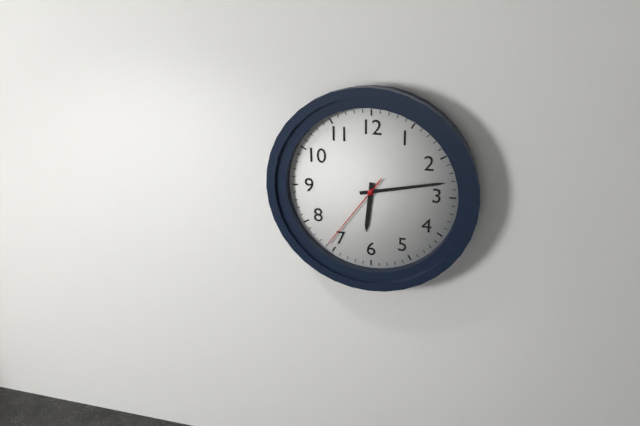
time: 6:13:36
